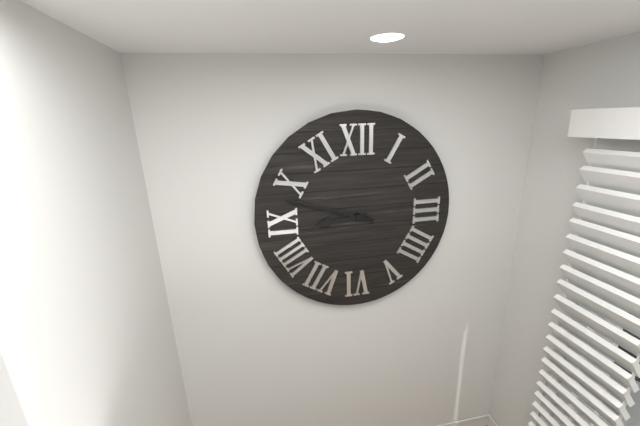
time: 8:48
